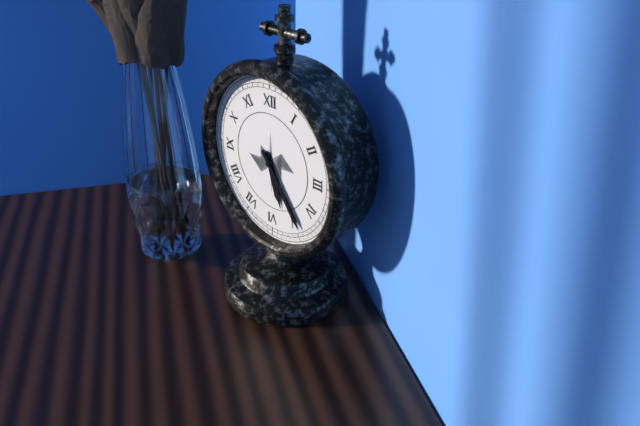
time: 5:24
